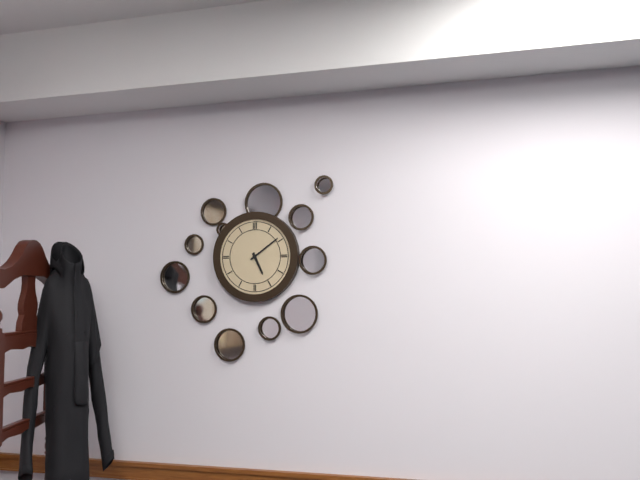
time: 5:09
